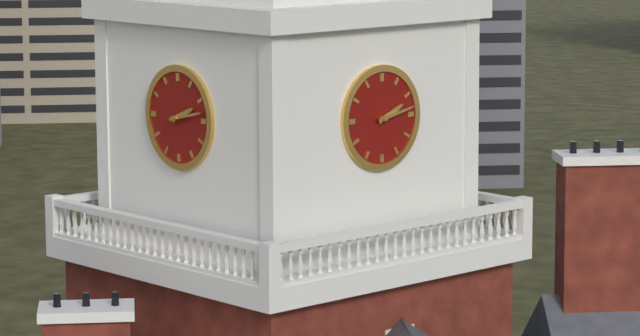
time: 2:13
